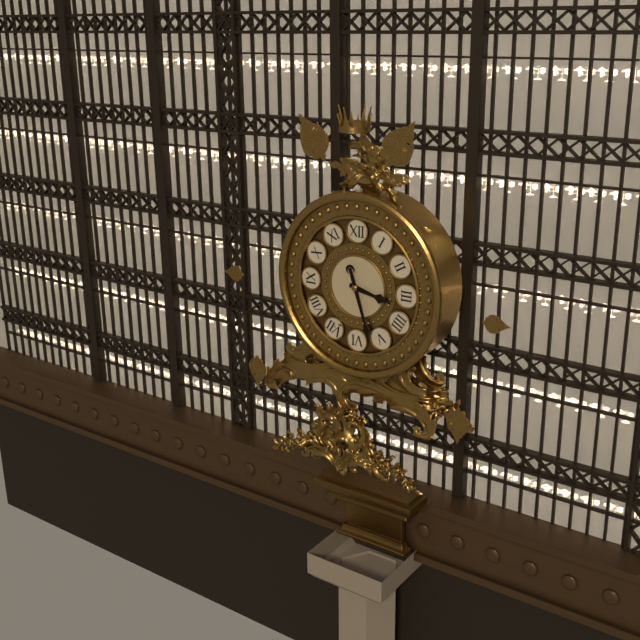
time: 3:27
